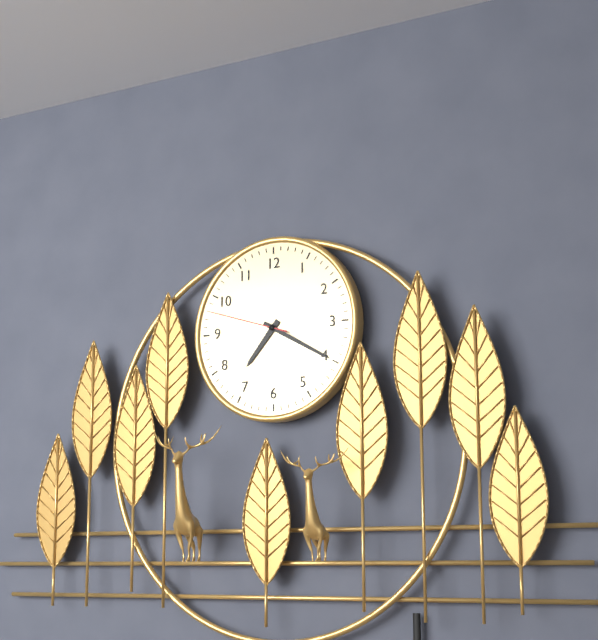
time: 7:20:48
